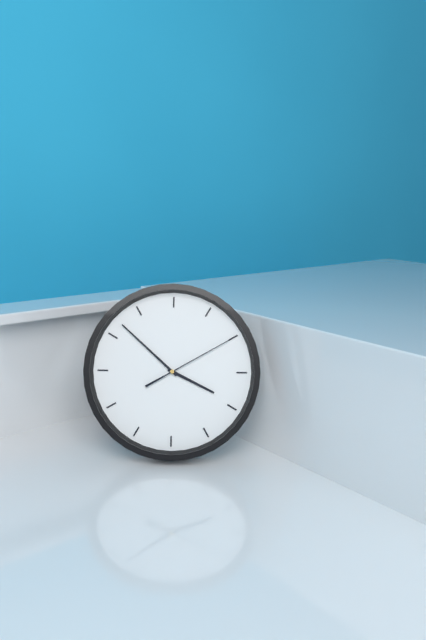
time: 3:52:10
